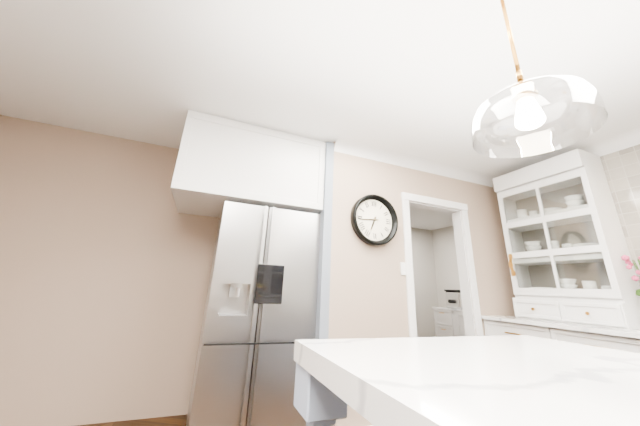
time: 6:44
